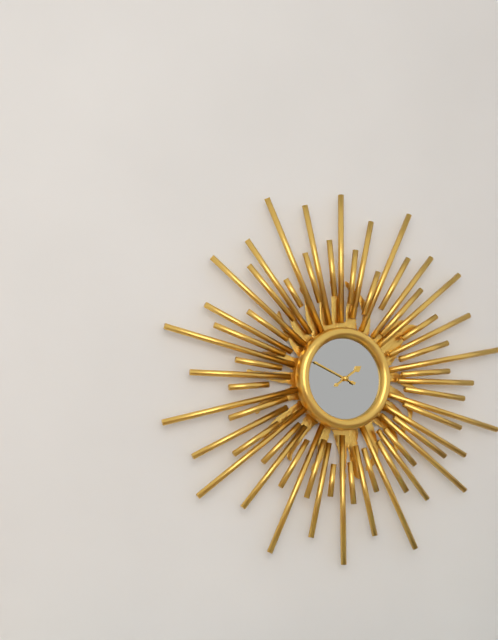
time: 1:49
